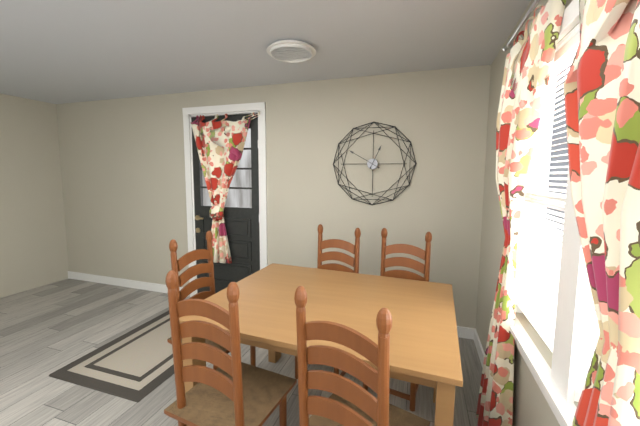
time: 12:50
